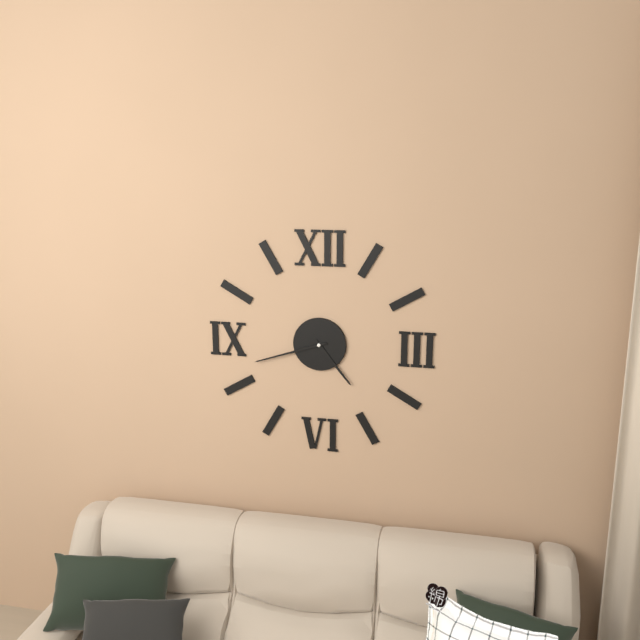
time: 4:42
